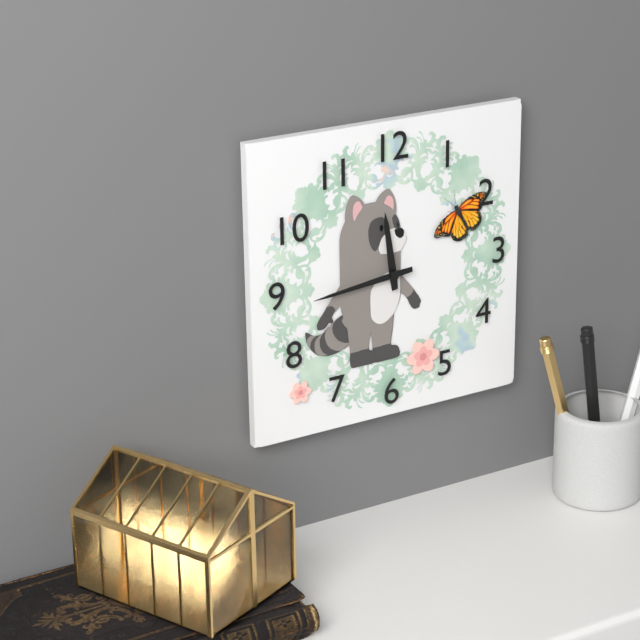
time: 11:44
